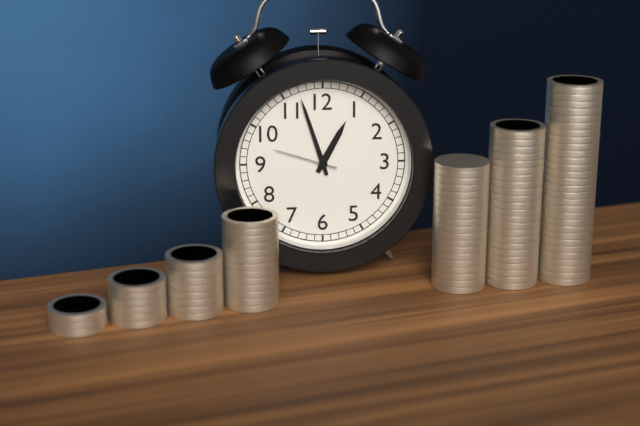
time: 12:57:48
